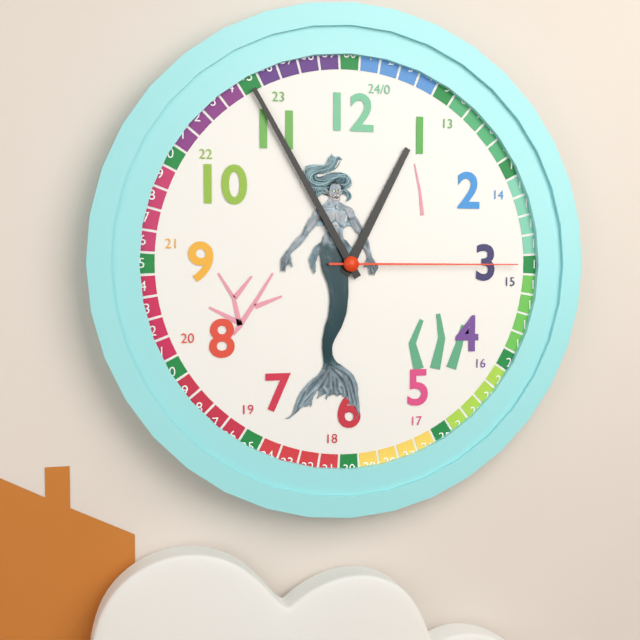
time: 12:55:15
